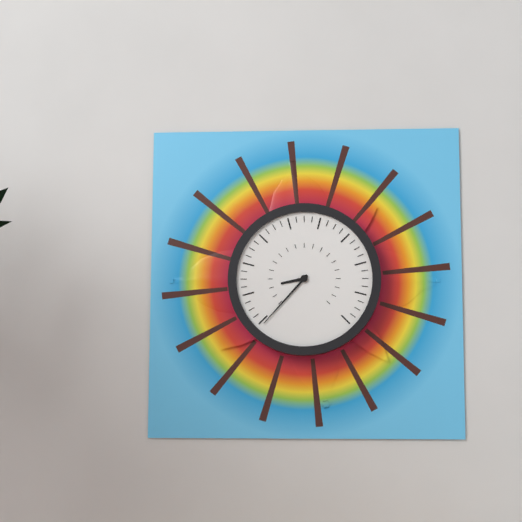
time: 8:37
